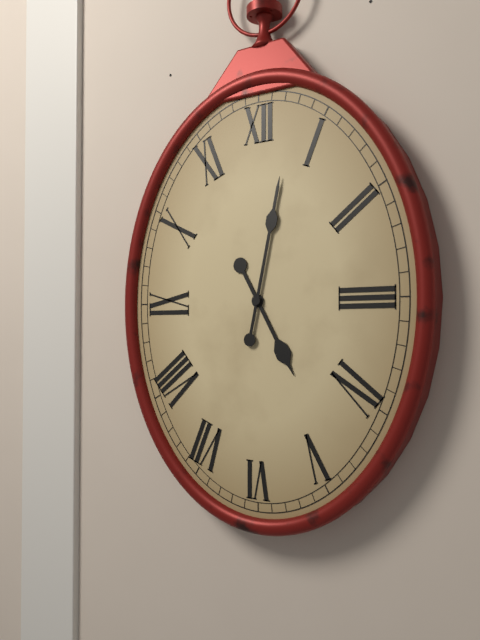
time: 5:02
